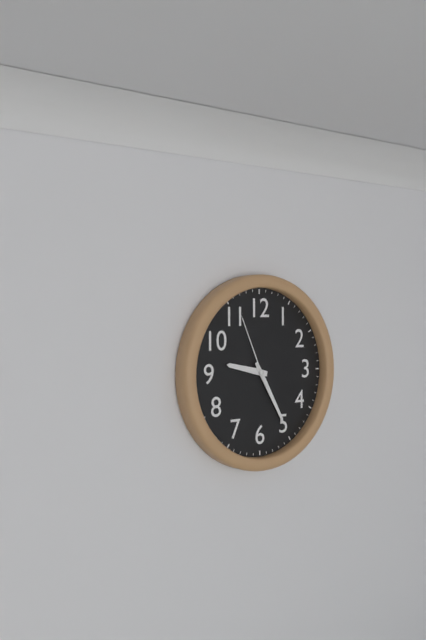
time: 9:25:56
